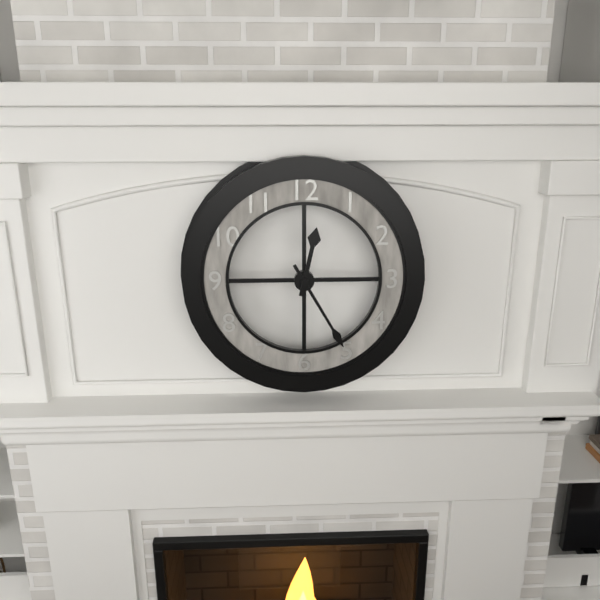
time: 12:25
